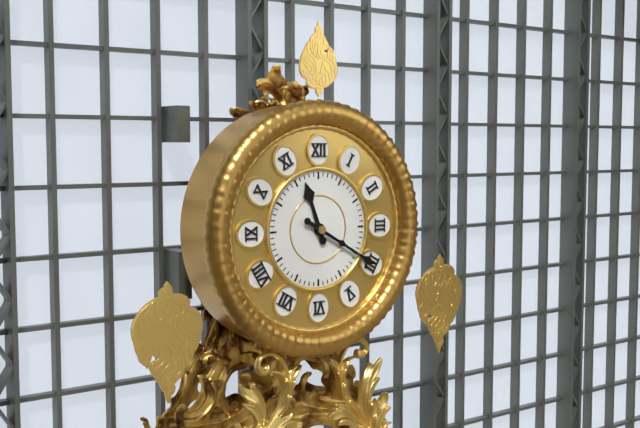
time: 11:20
